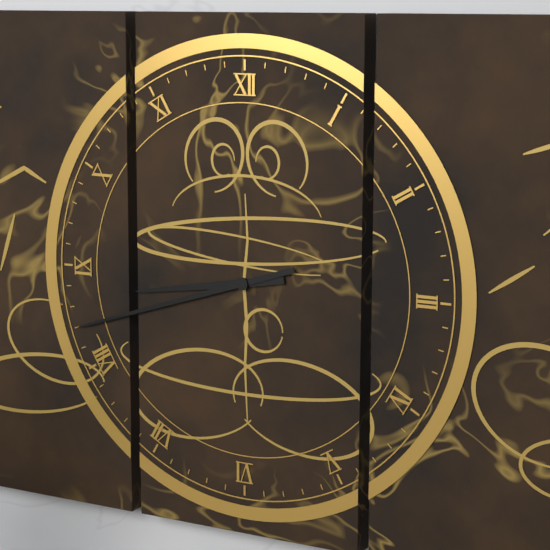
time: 8:42
